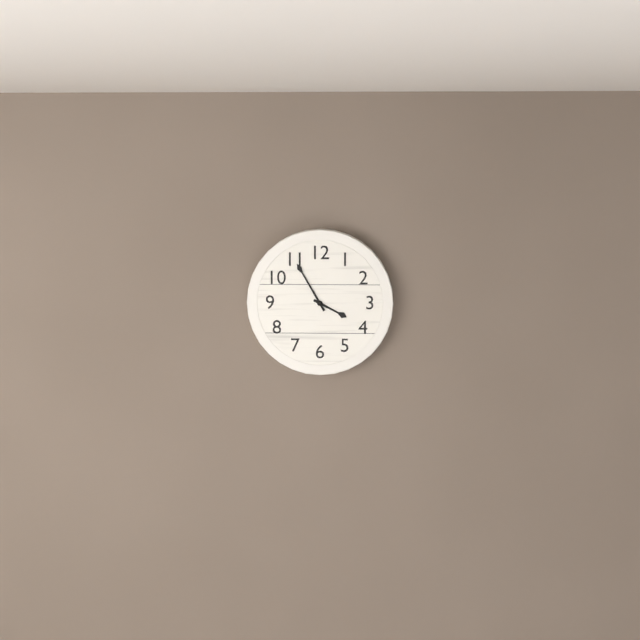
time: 3:55
